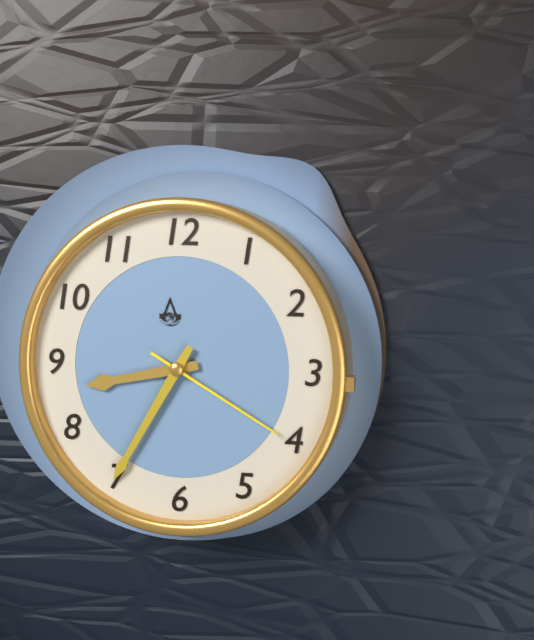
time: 8:35:20
